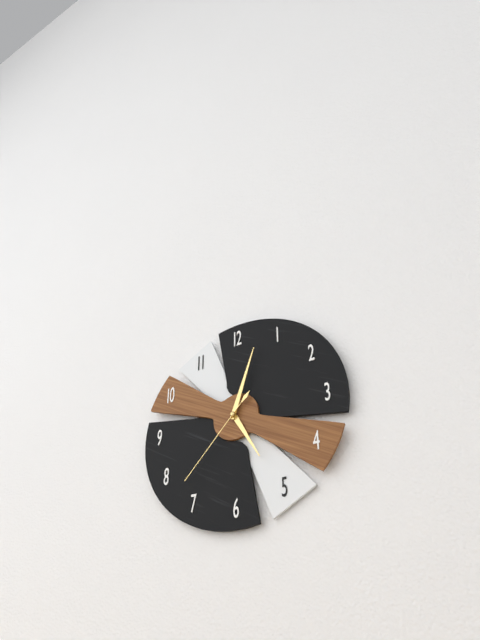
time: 5:03:37
